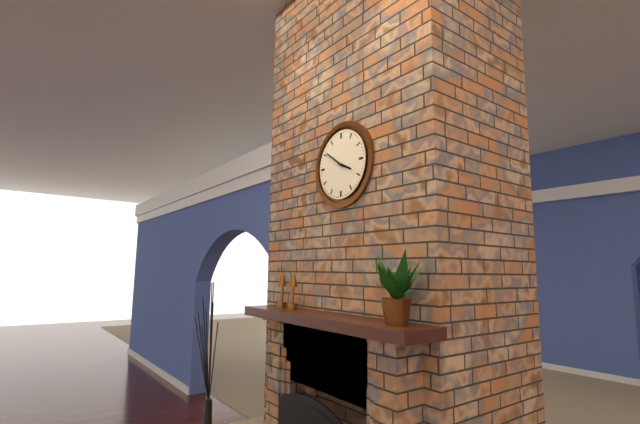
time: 3:51
